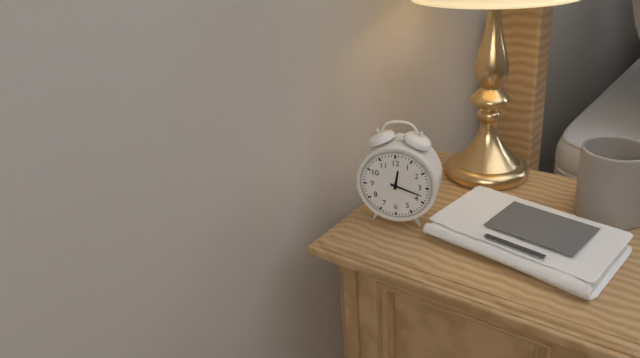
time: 12:18
